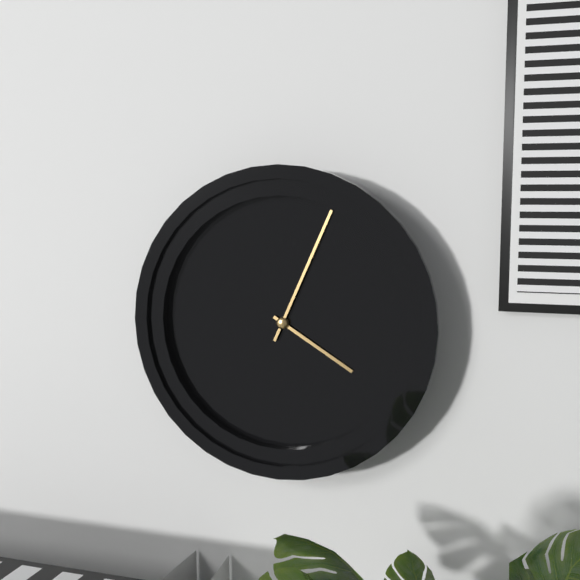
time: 4:04
